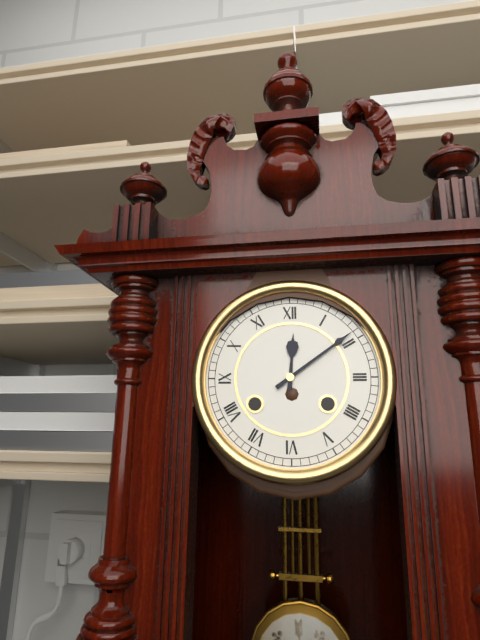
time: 12:09
